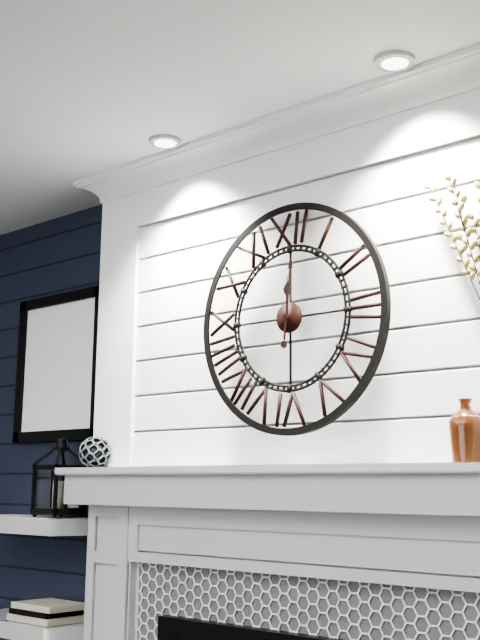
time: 12:01
